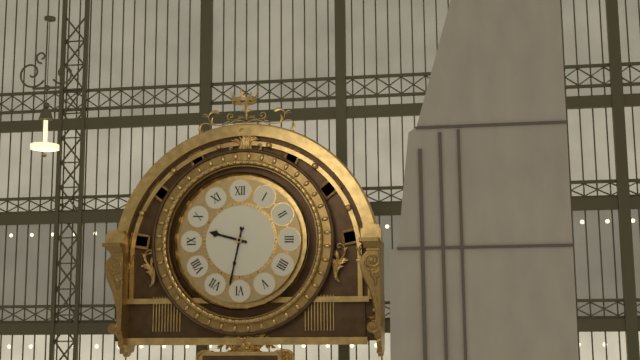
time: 9:32
